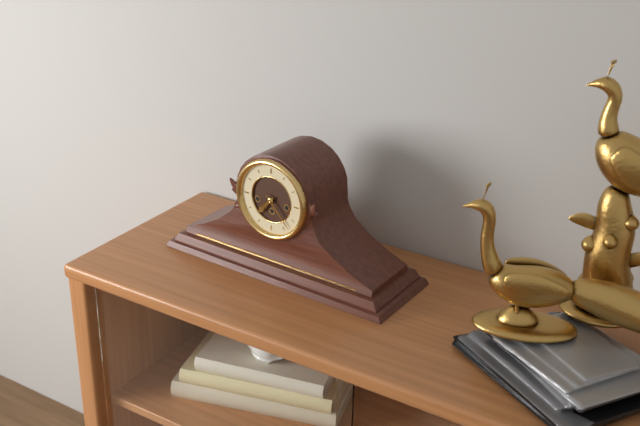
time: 7:23
